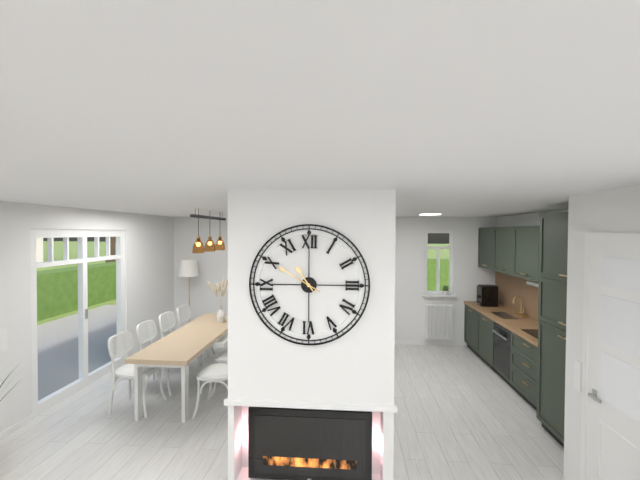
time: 10:50
